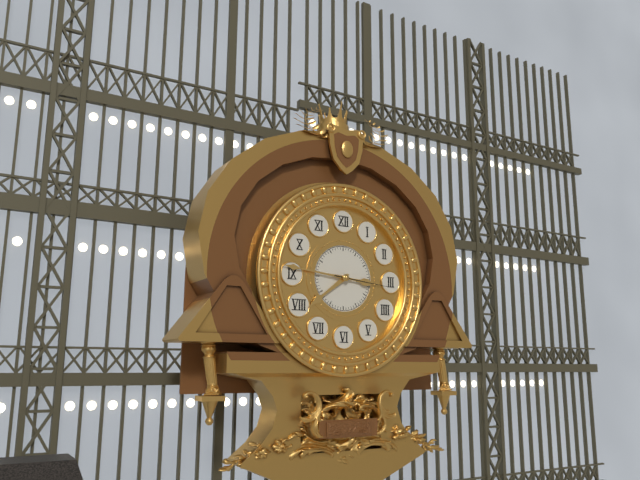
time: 7:46:16
